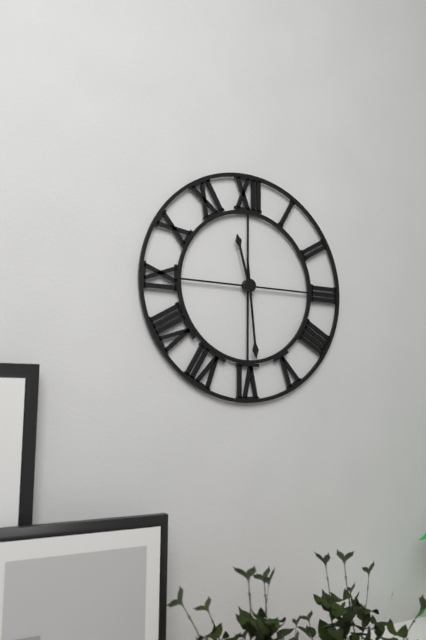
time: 11:29
